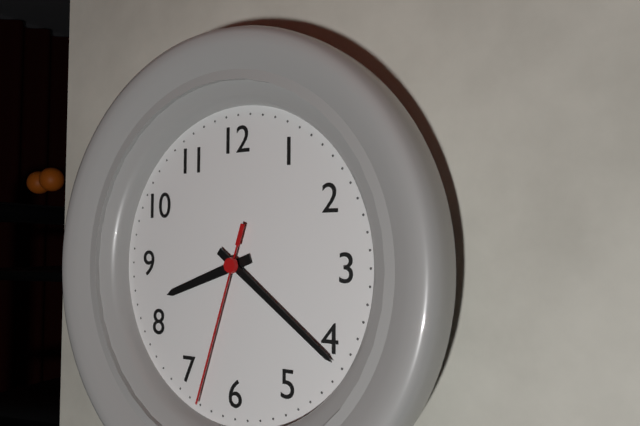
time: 8:21:33
